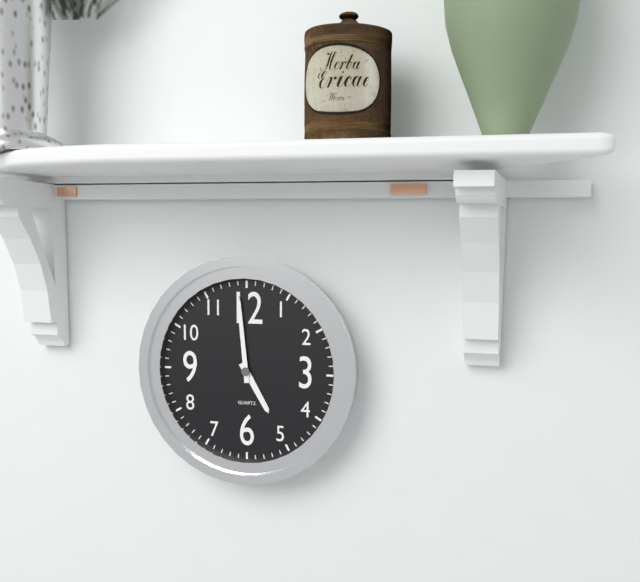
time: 4:59
